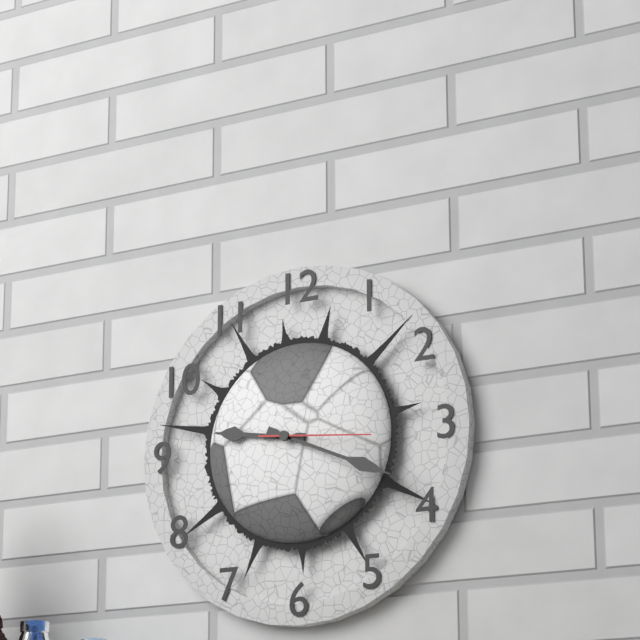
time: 9:19:16
